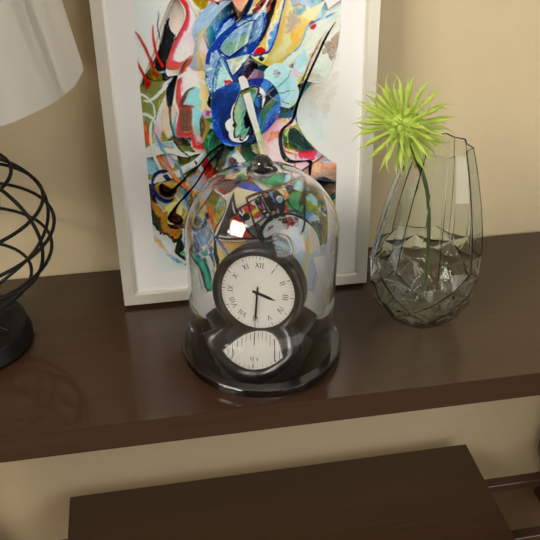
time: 3:30
